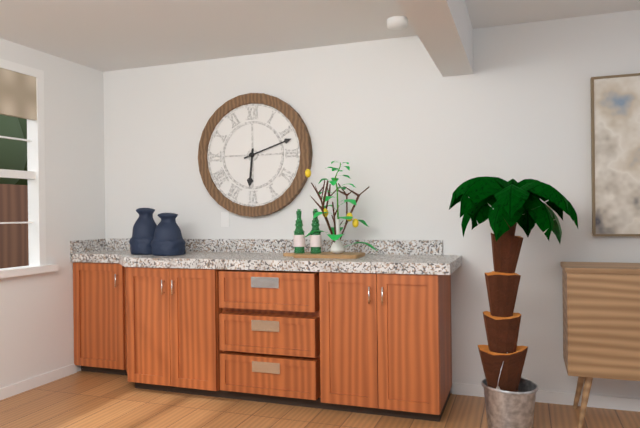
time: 6:12
